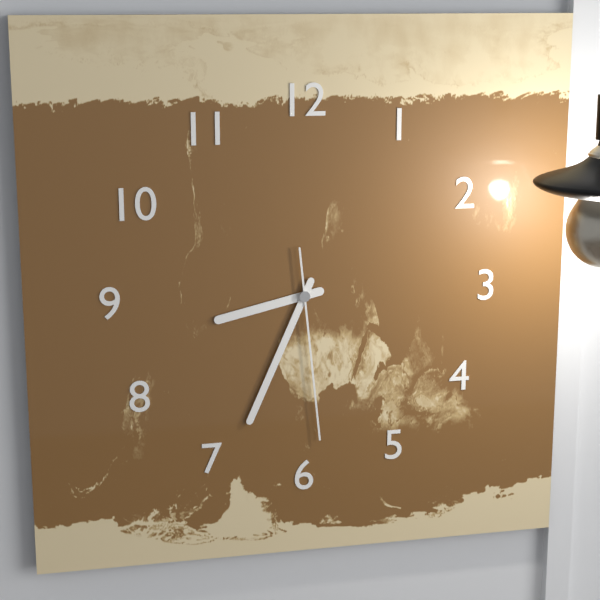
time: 8:34:29
